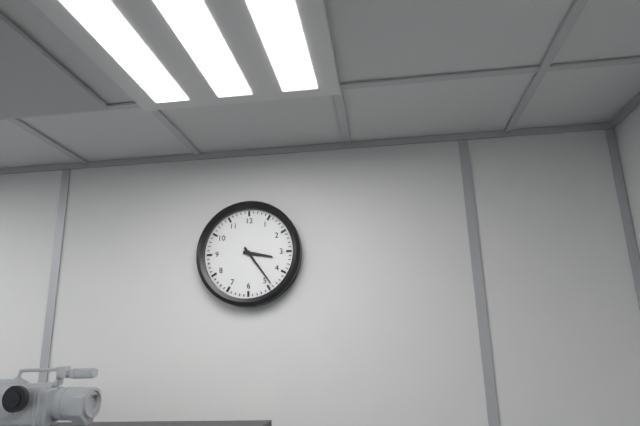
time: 3:24
